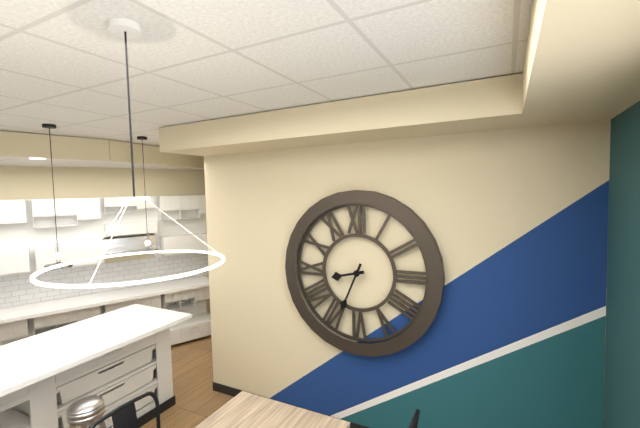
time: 8:34
